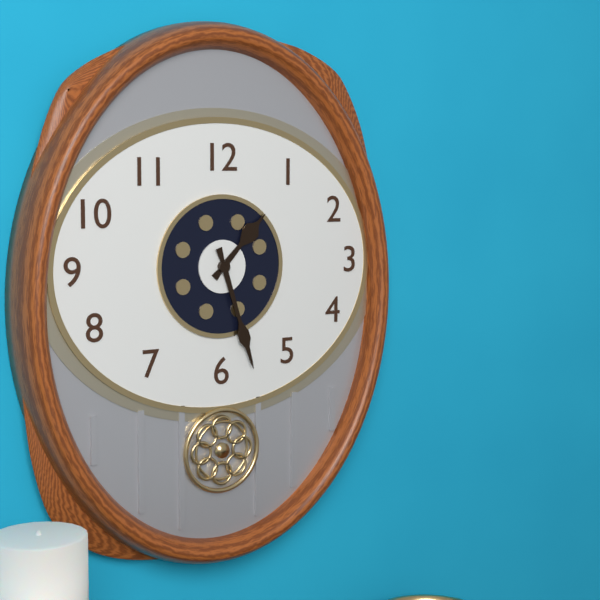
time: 1:27
